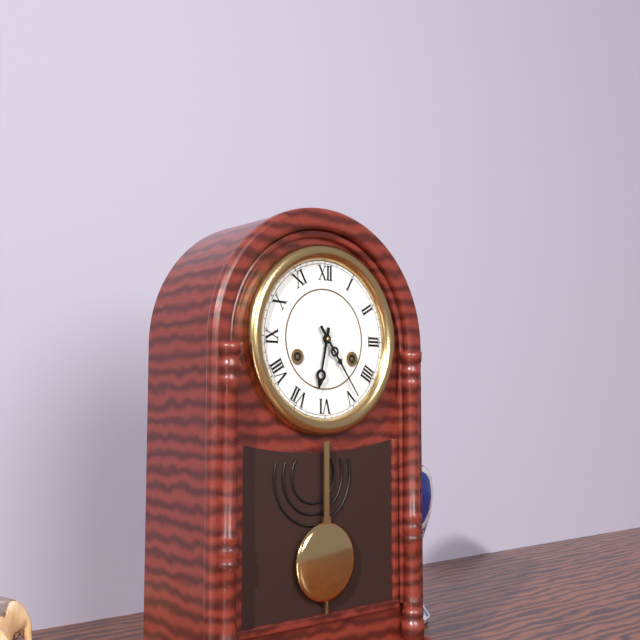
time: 6:24
